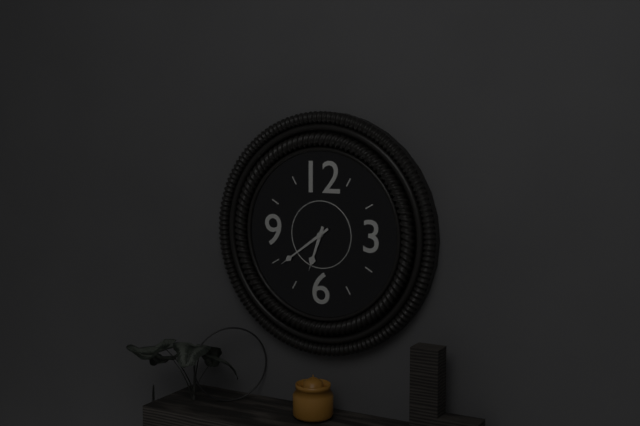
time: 6:39
